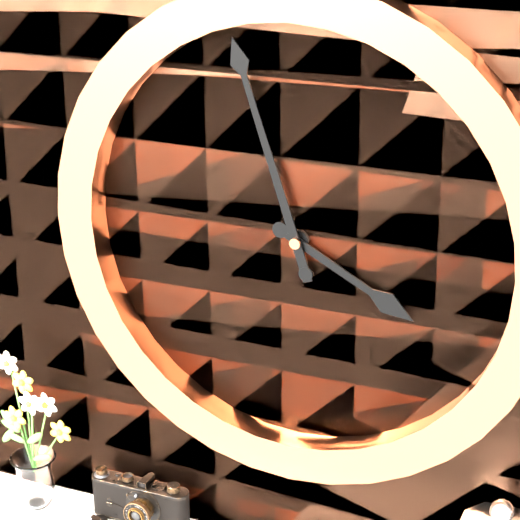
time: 3:57
